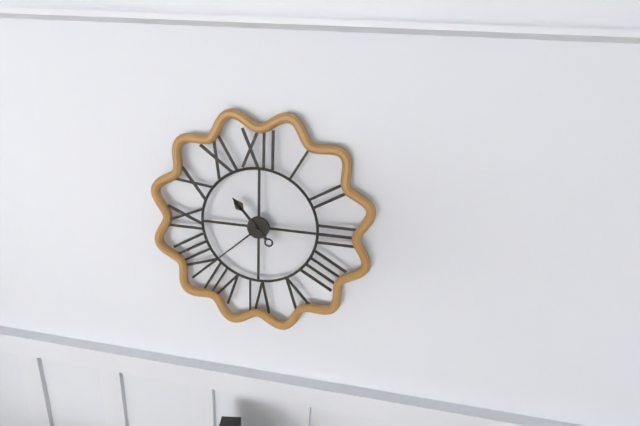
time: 10:38
